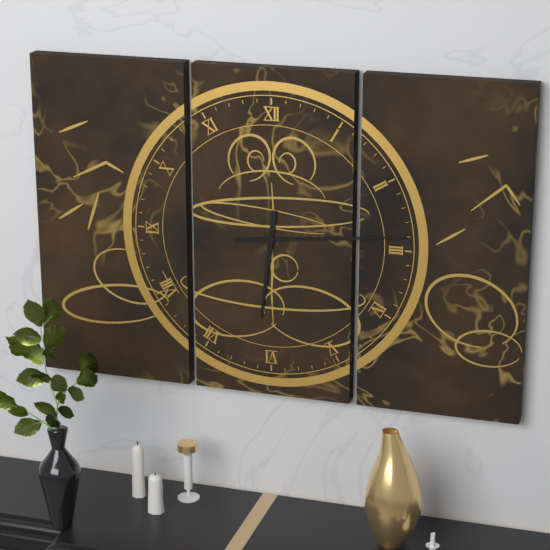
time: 6:14
